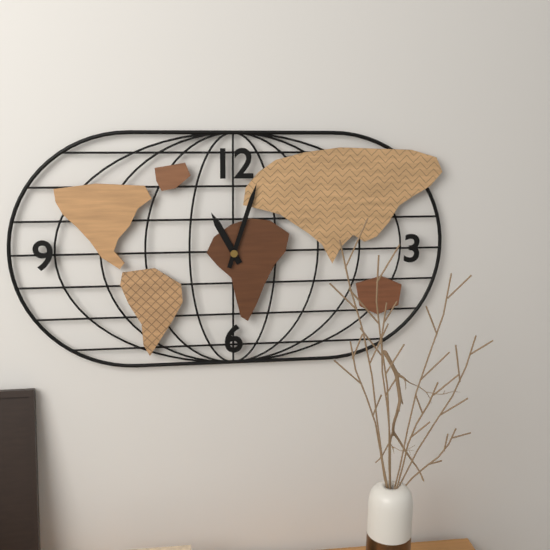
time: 11:03
